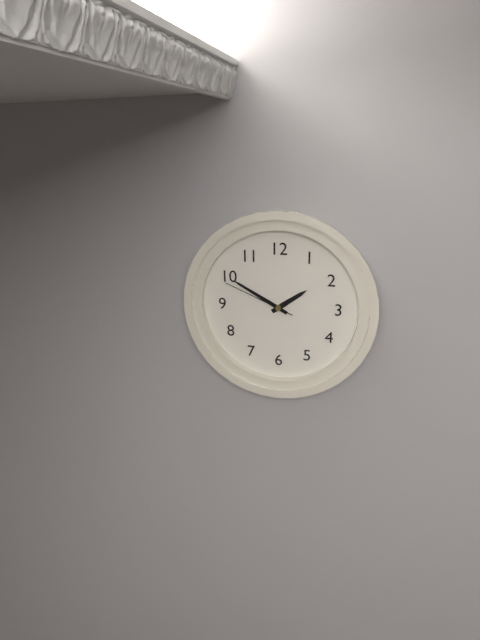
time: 1:50:49
